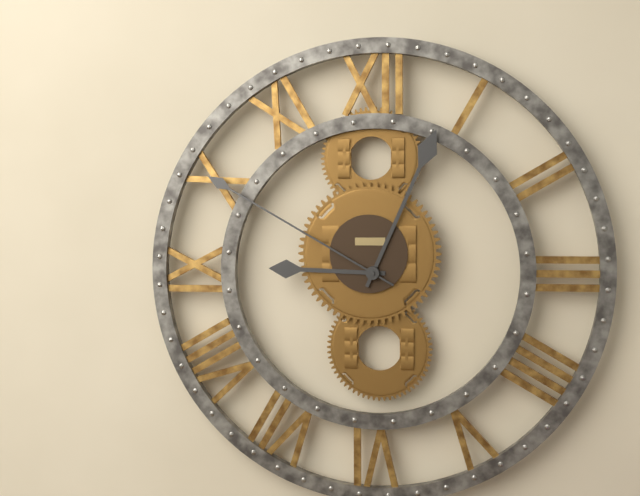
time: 9:04:50
